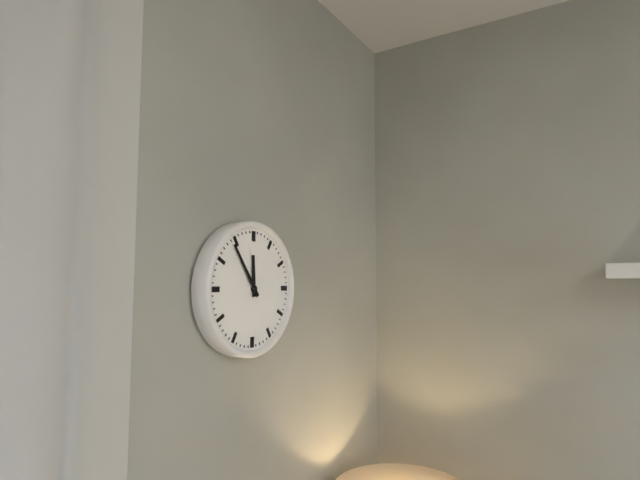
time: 11:54
